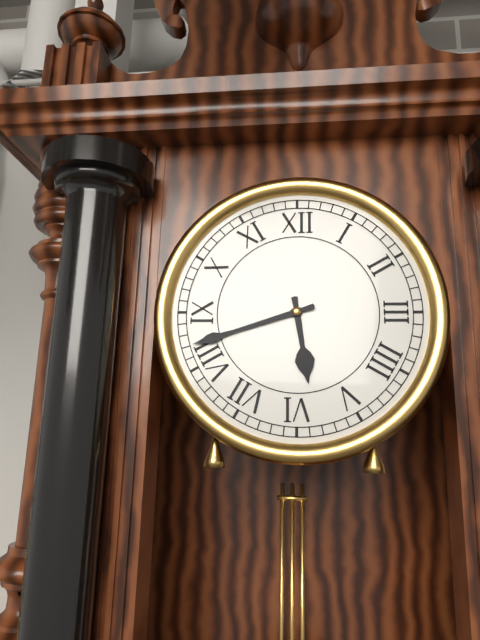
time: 5:42
